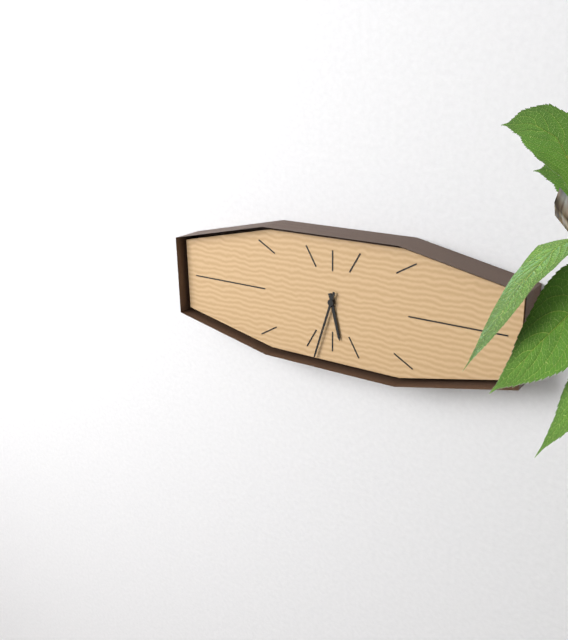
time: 5:33
